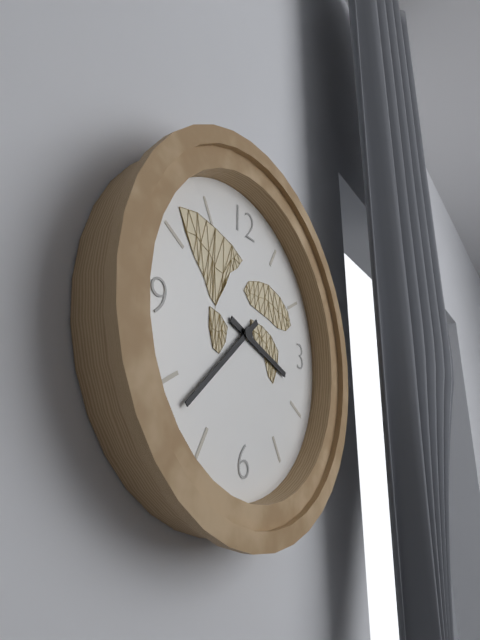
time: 3:38
